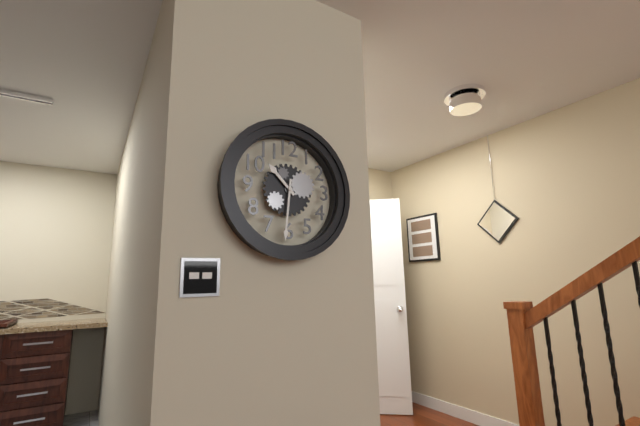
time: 10:31
